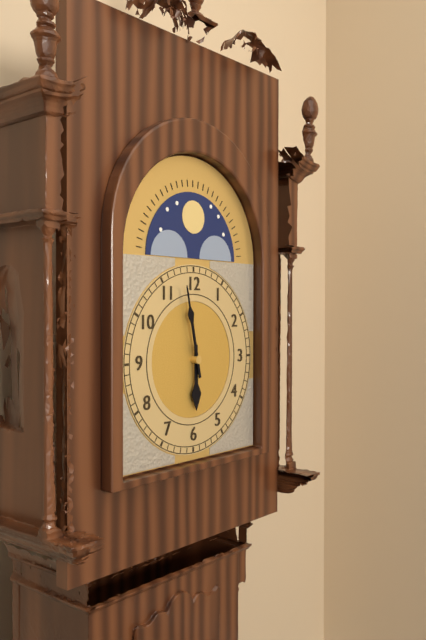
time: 5:58
